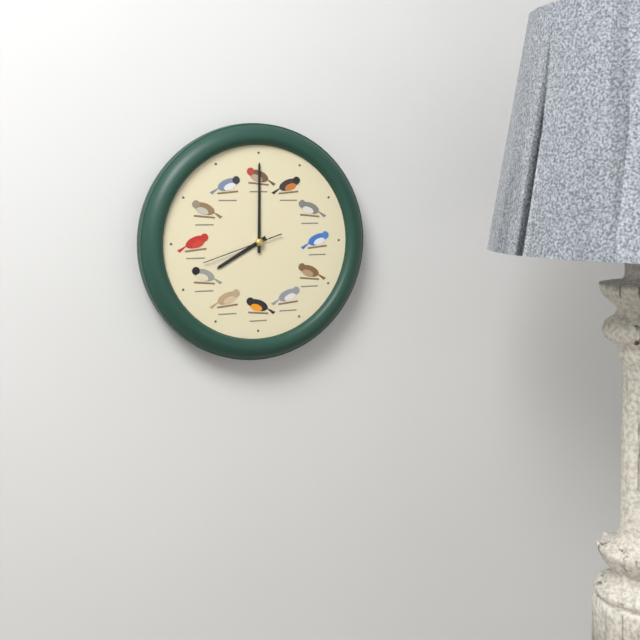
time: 8:00:42
